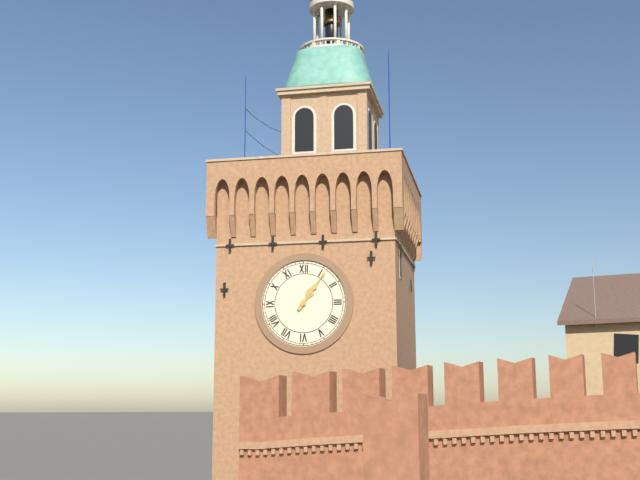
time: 1:06
